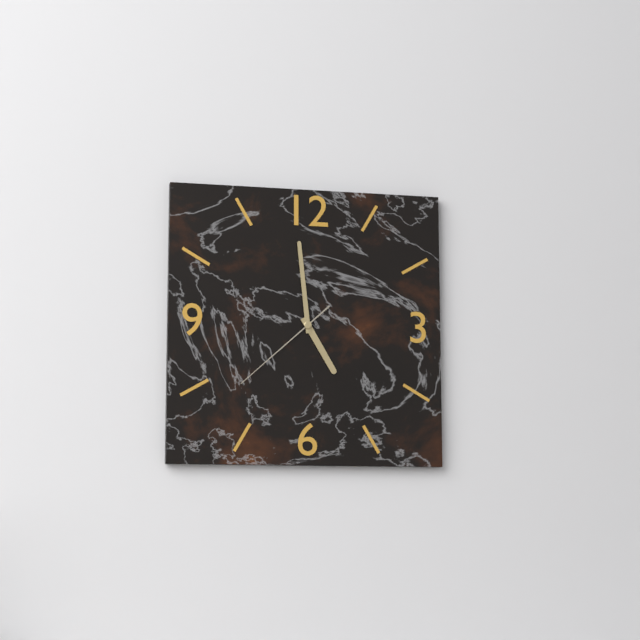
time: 4:59:38
